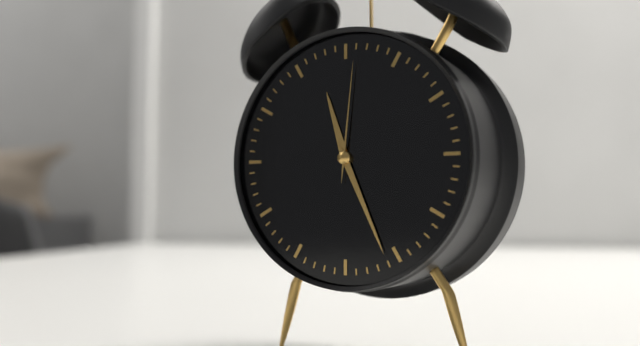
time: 11:26:01
